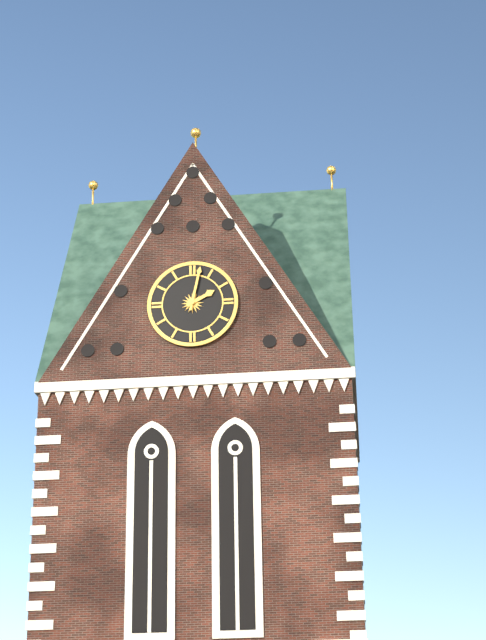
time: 2:02
